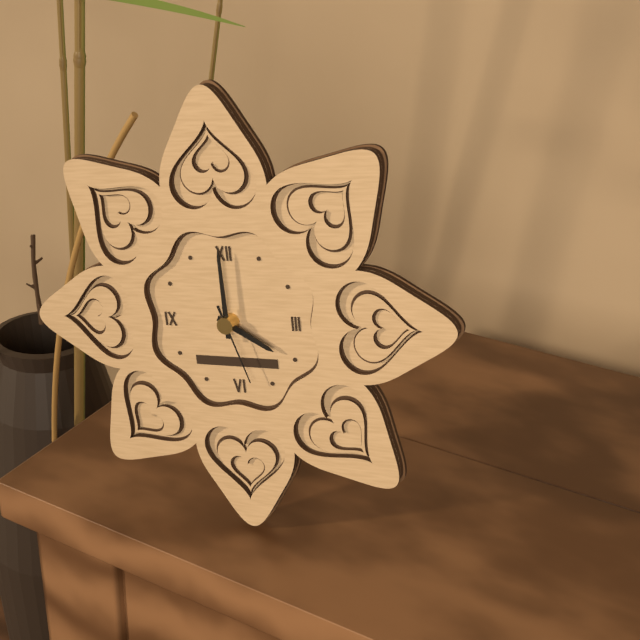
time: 4:00:27
